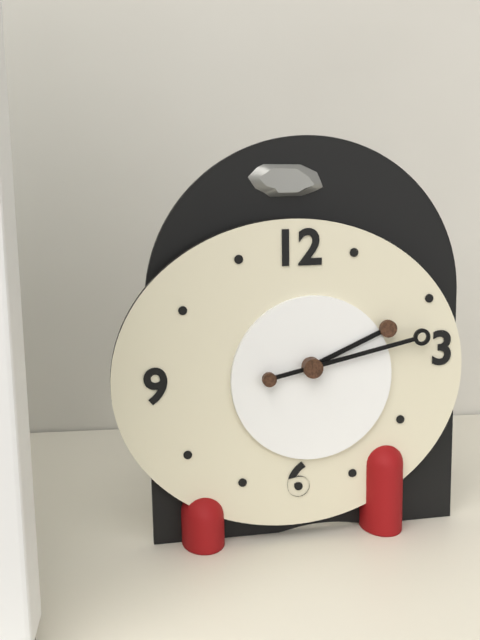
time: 2:13
